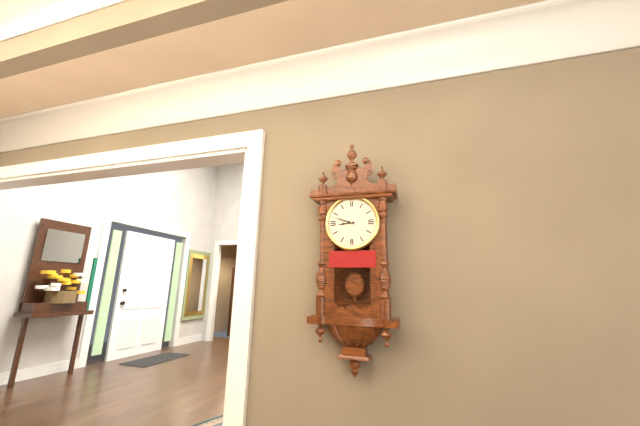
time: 8:48
